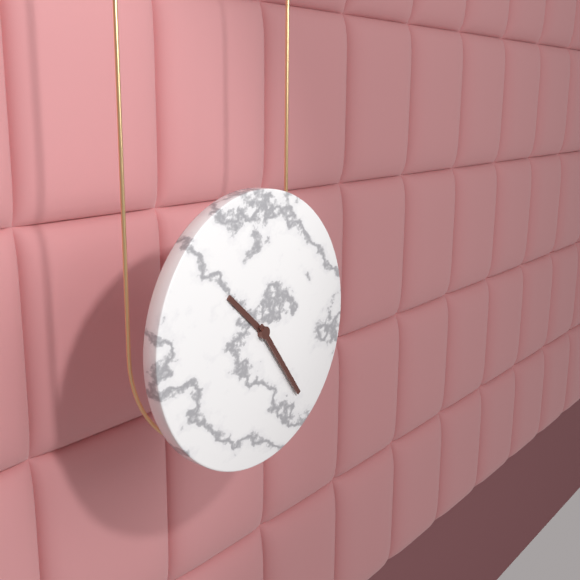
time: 10:24
